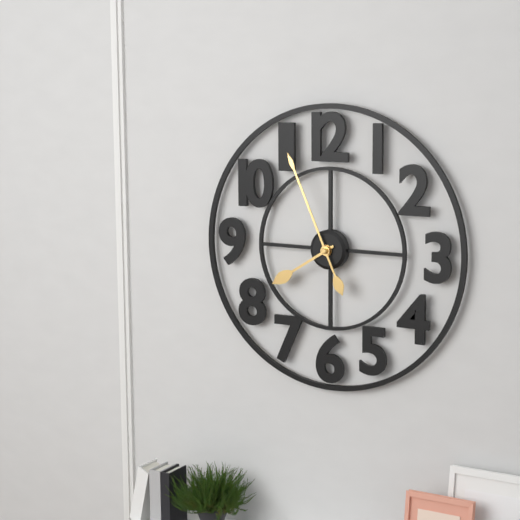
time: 7:56
